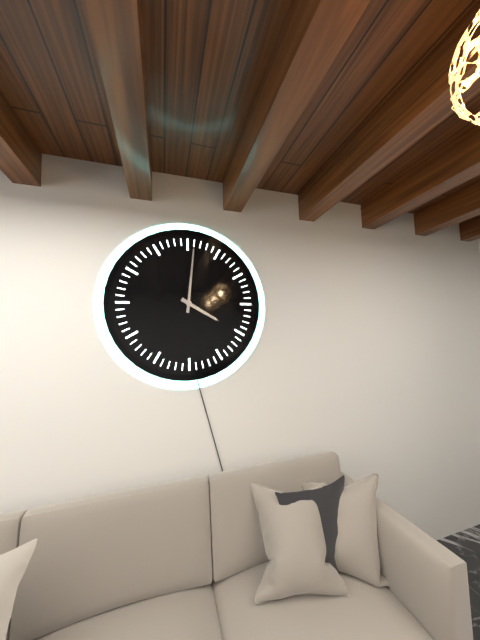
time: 4:01
